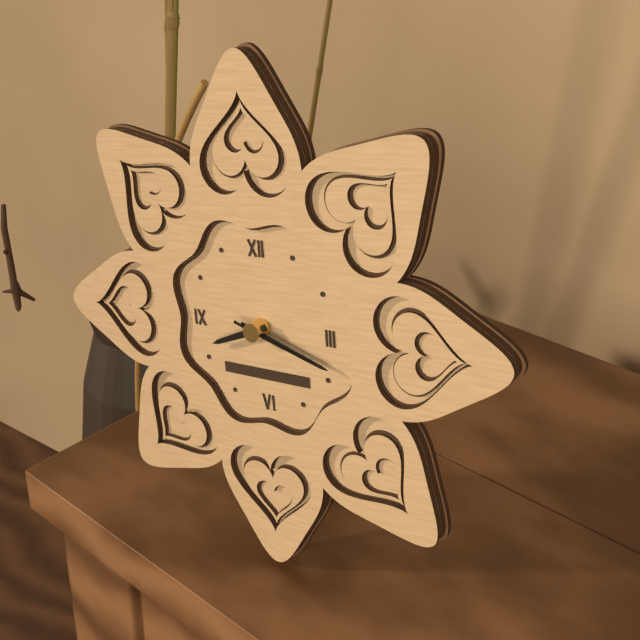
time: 8:18:18
